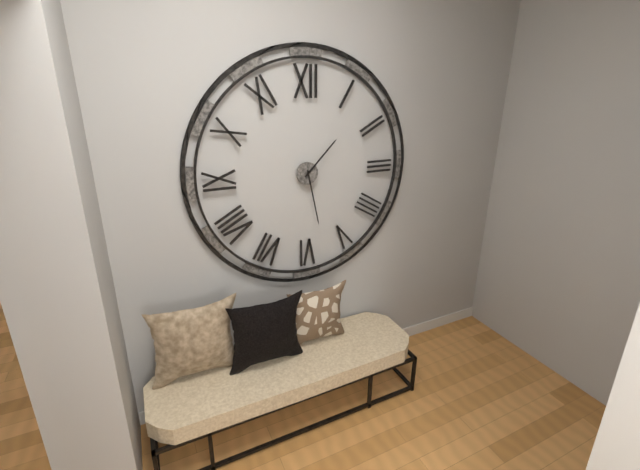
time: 1:28
